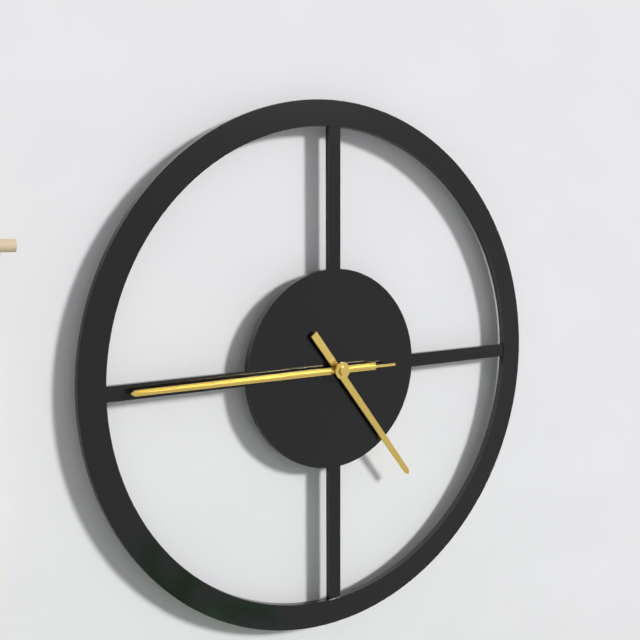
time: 4:45:45
